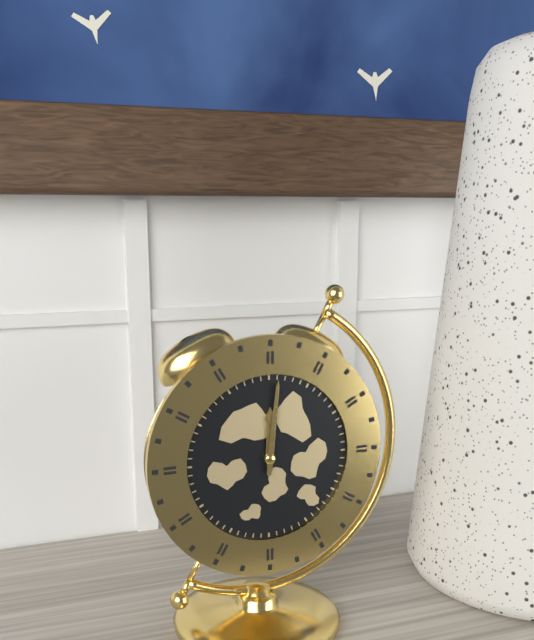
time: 12:01
